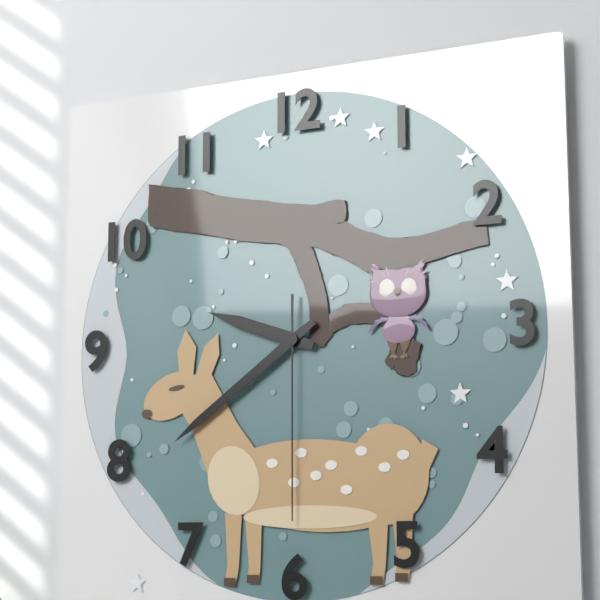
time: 9:39:30
